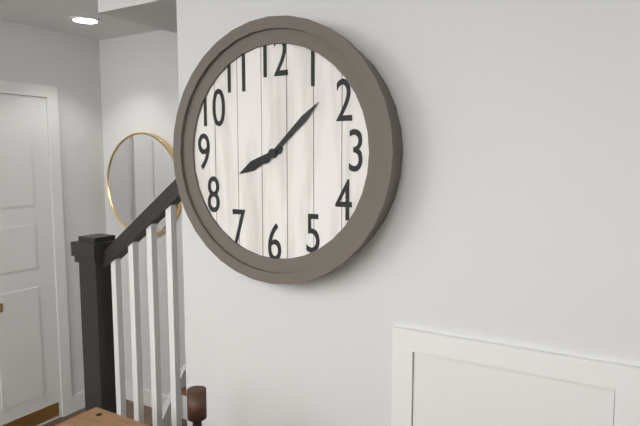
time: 8:08
